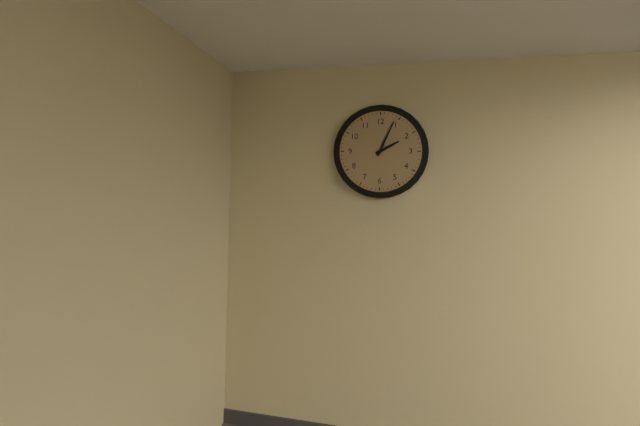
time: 2:04
